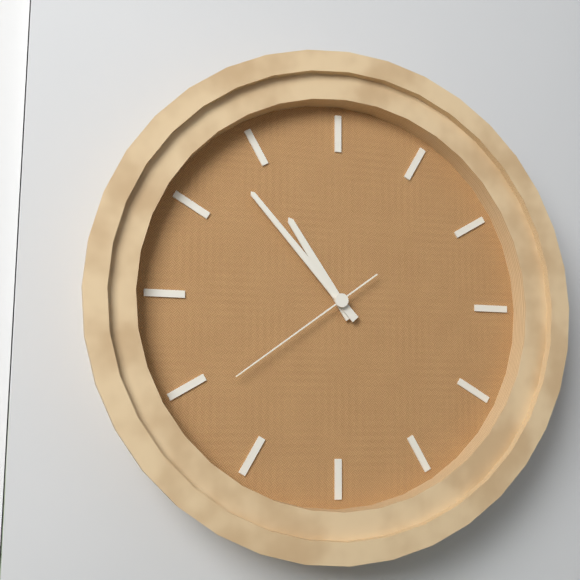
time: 10:53:39
